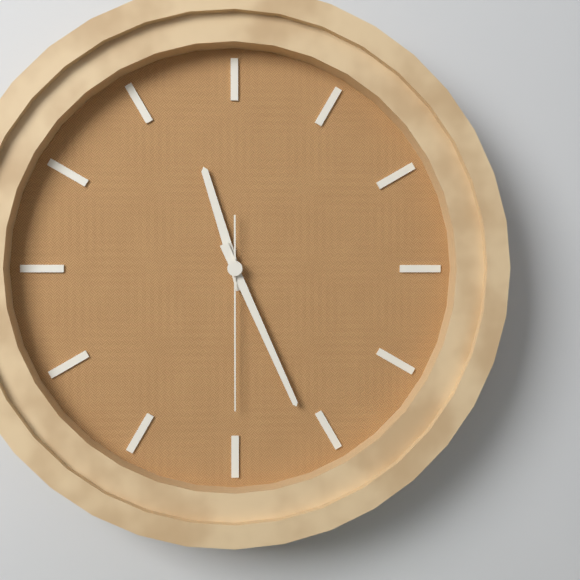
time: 11:26:30
